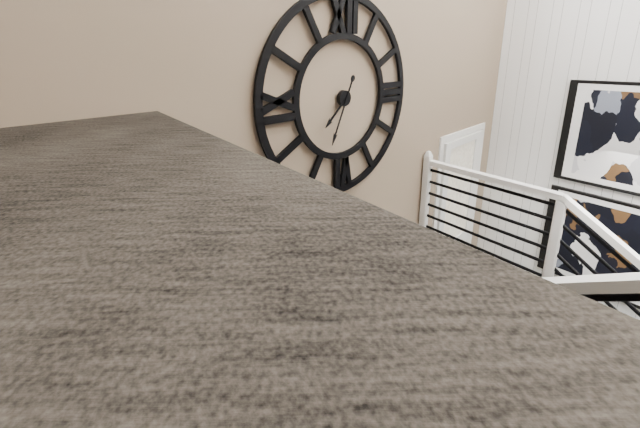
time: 7:34
